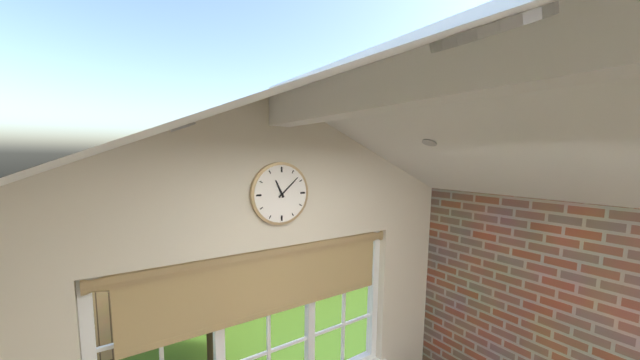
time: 11:08
